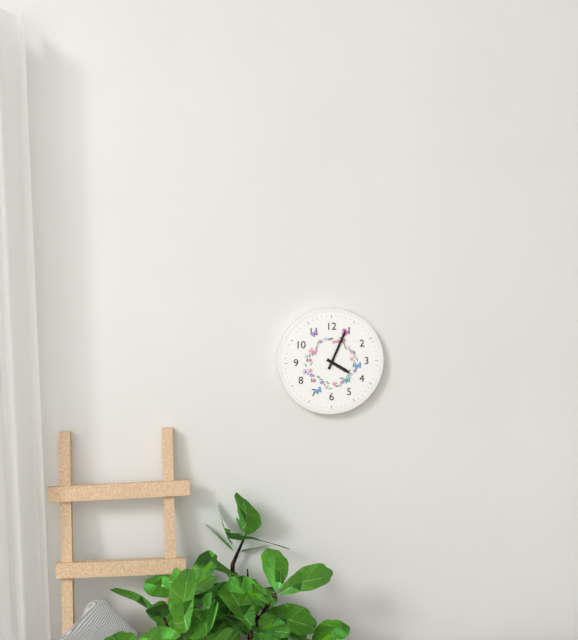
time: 4:04
